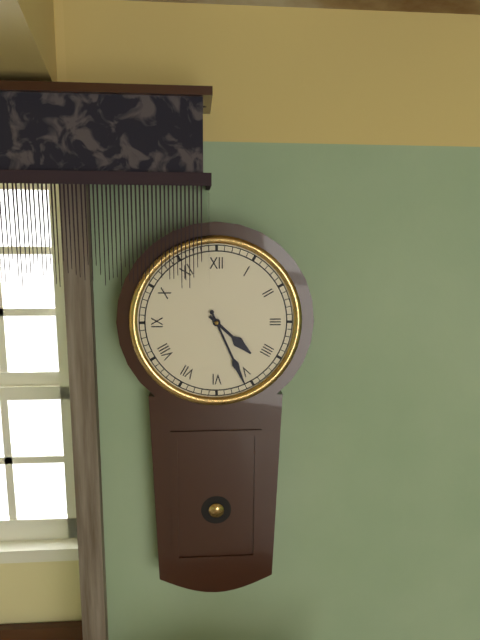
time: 4:26
